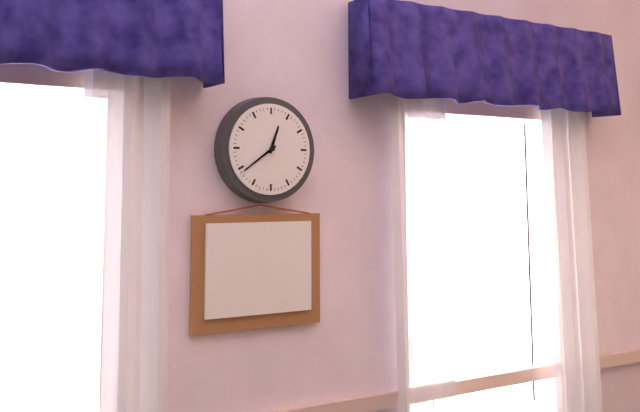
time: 12:39
